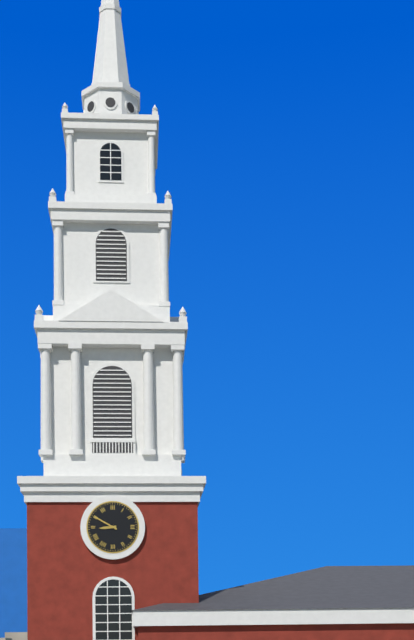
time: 8:50
